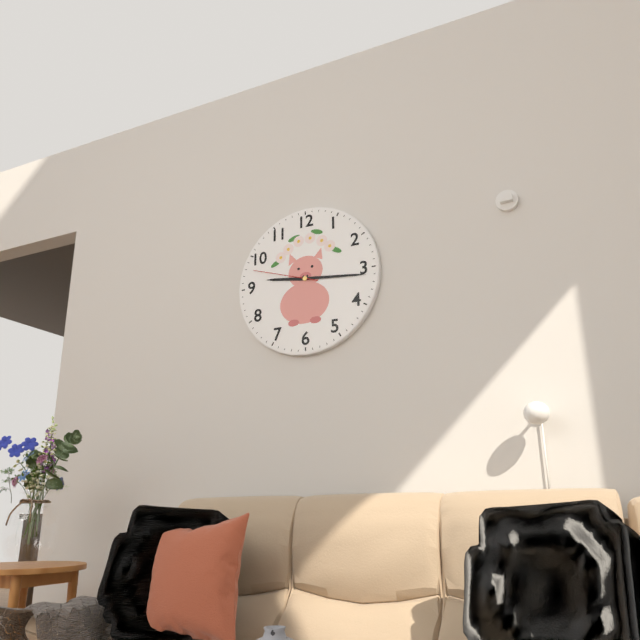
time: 9:16:48
